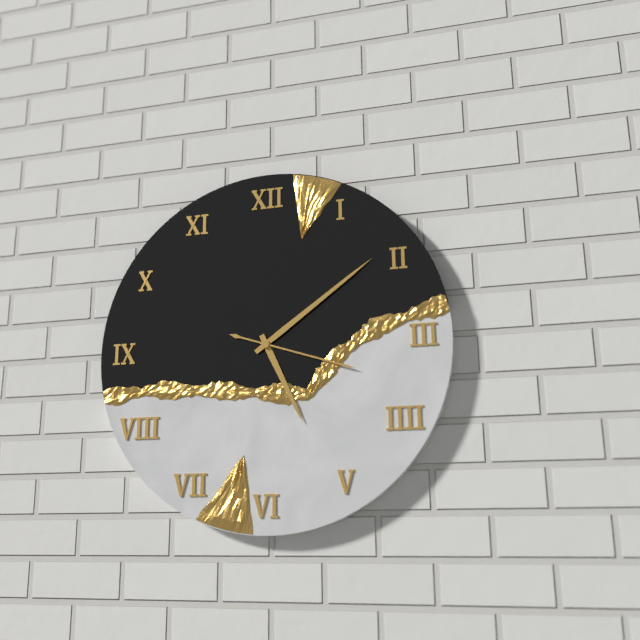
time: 5:09:18
